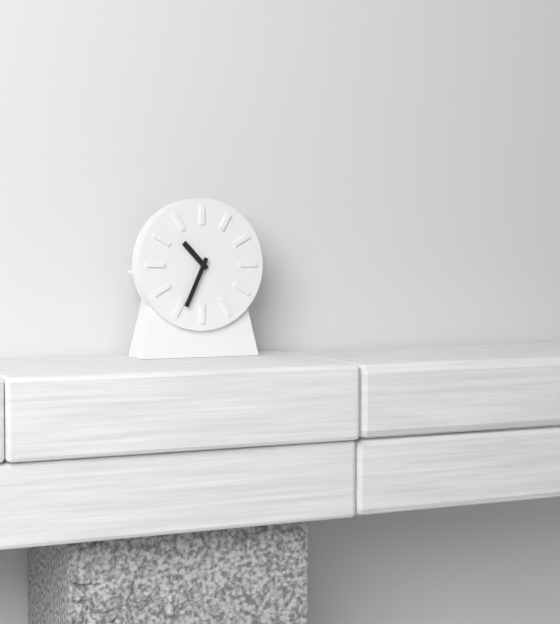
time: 10:34
